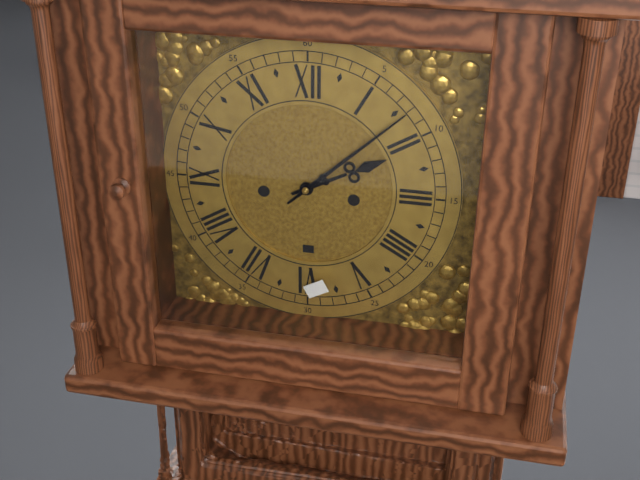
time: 2:08
